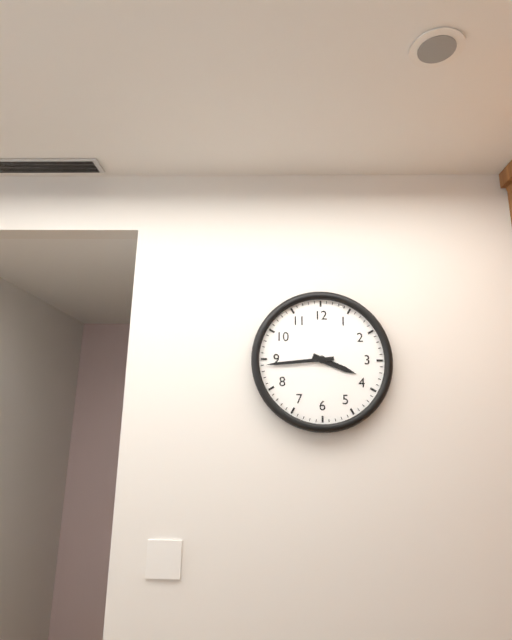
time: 3:44
